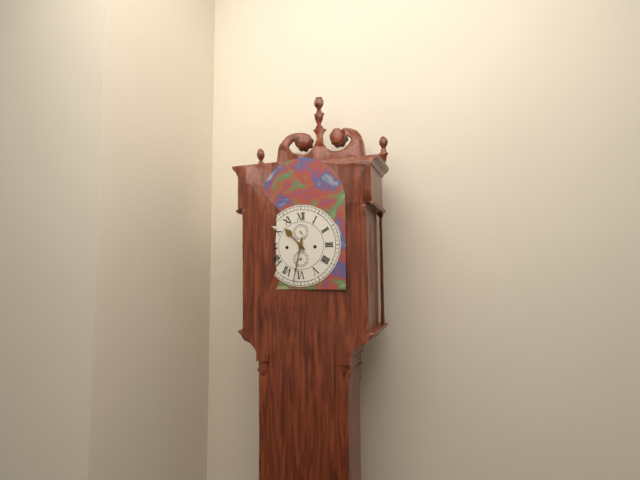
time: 10:32
